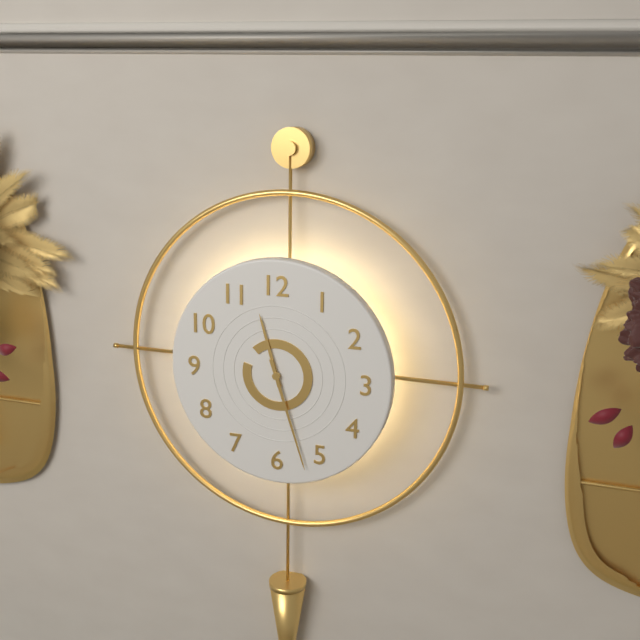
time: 11:27
